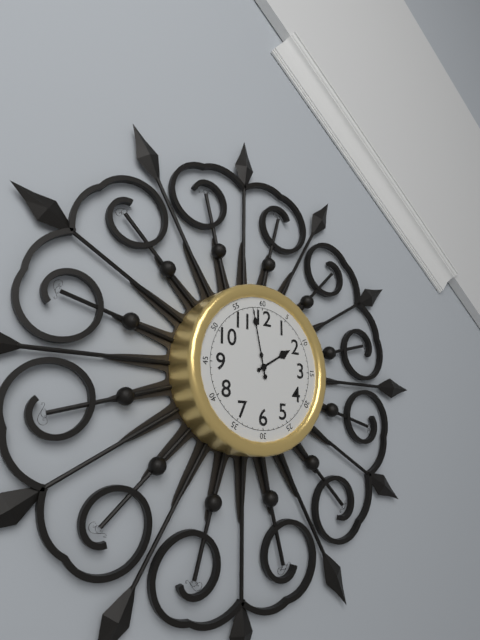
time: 1:58
